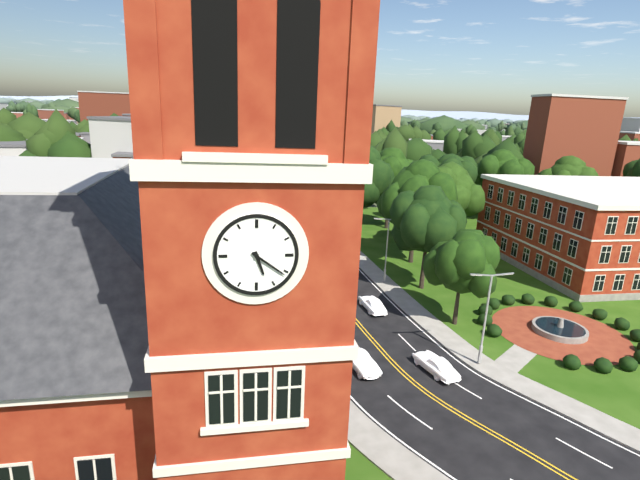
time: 5:21
